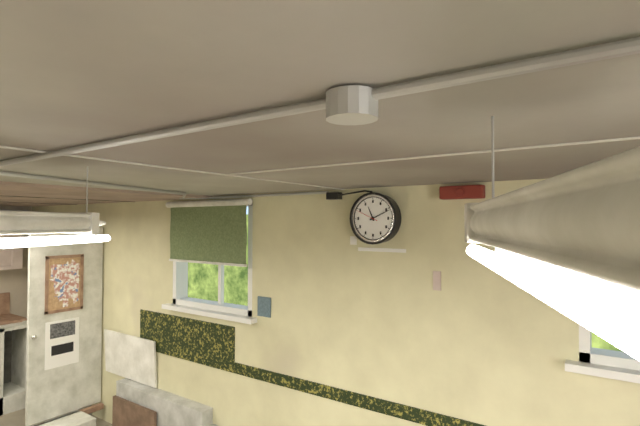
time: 11:11
